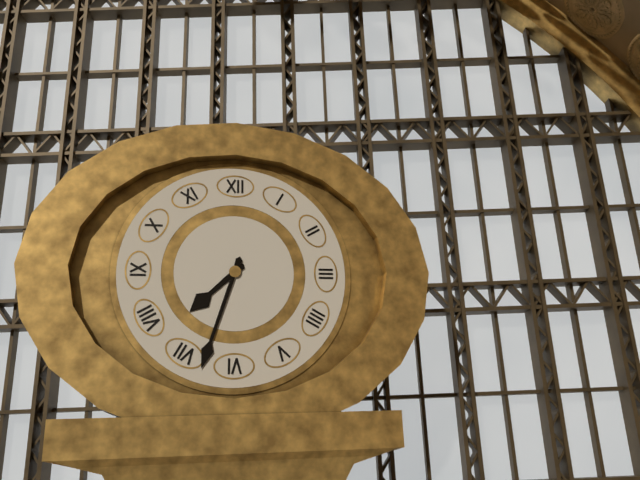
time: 7:33
